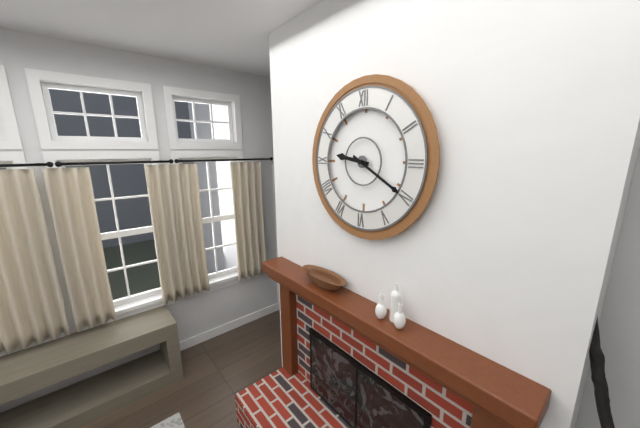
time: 9:20
